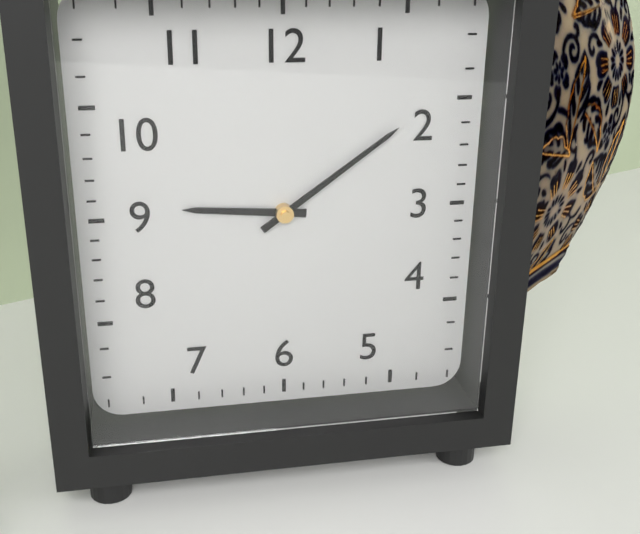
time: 9:09
